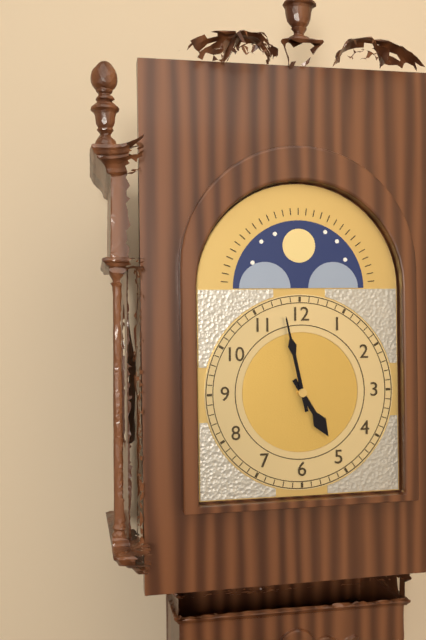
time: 4:58
